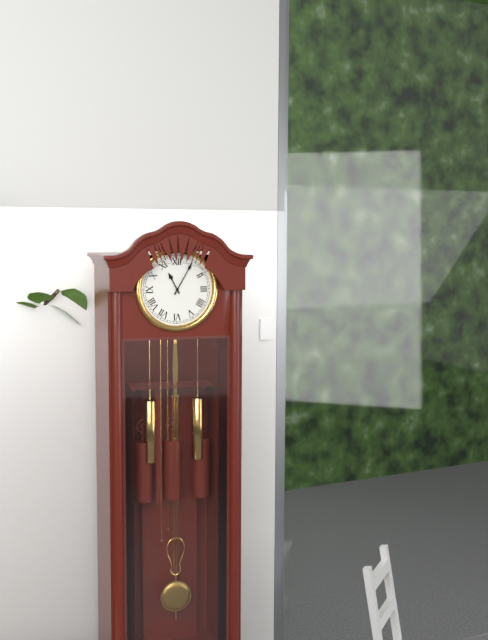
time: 11:05
